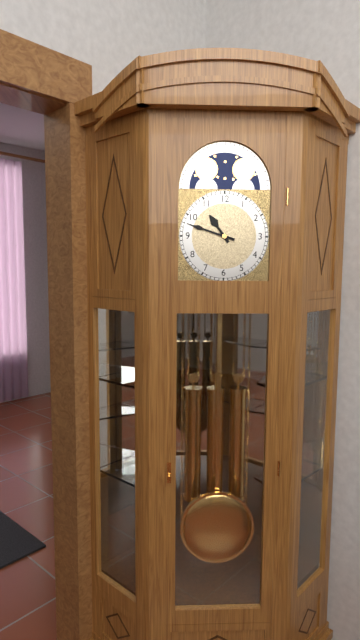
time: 10:48
